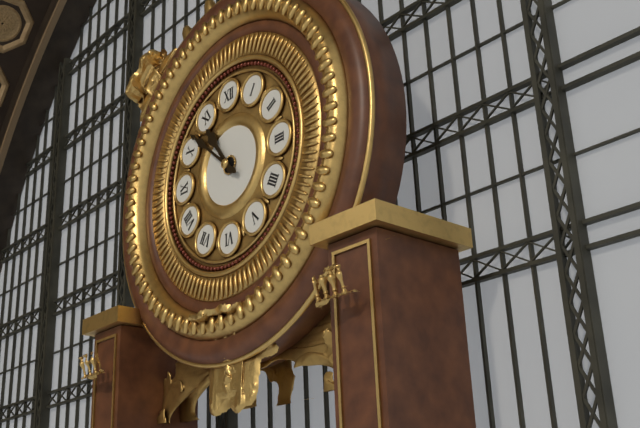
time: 10:52
